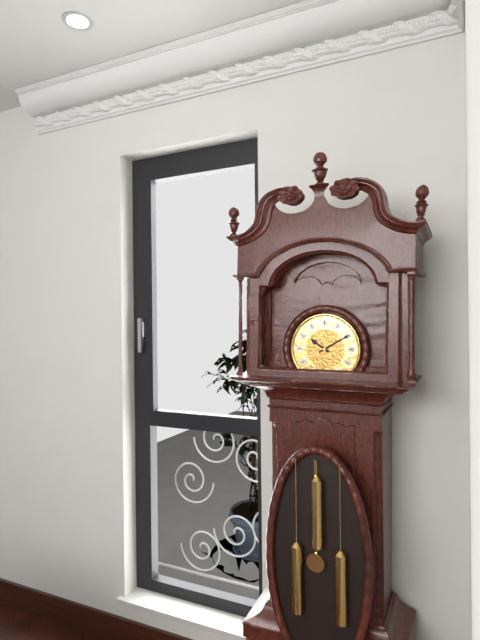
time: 10:10
